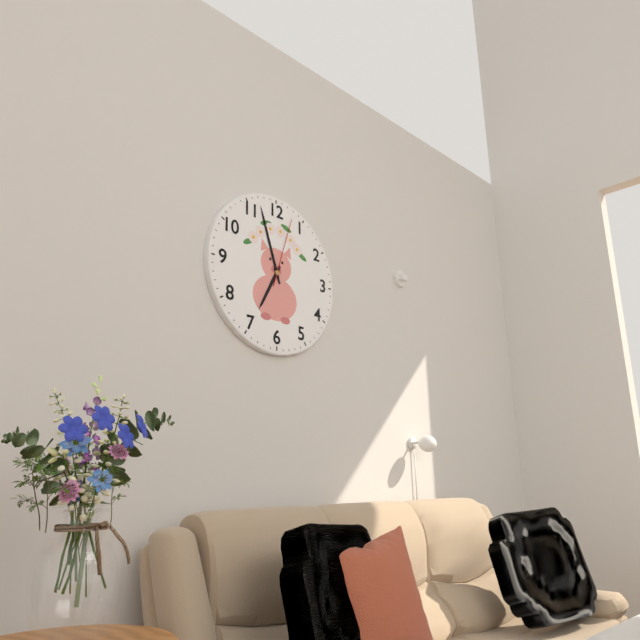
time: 6:57:03
